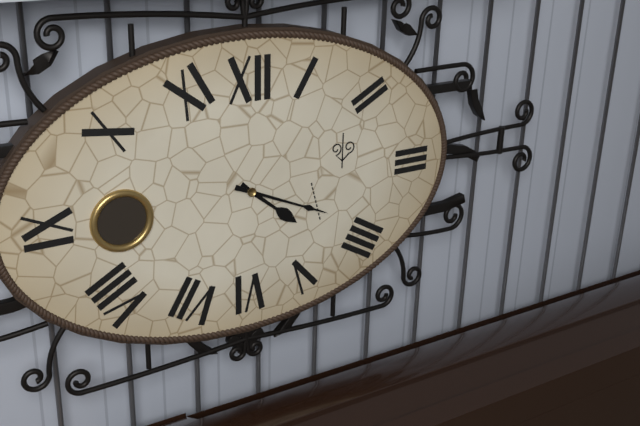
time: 4:19
